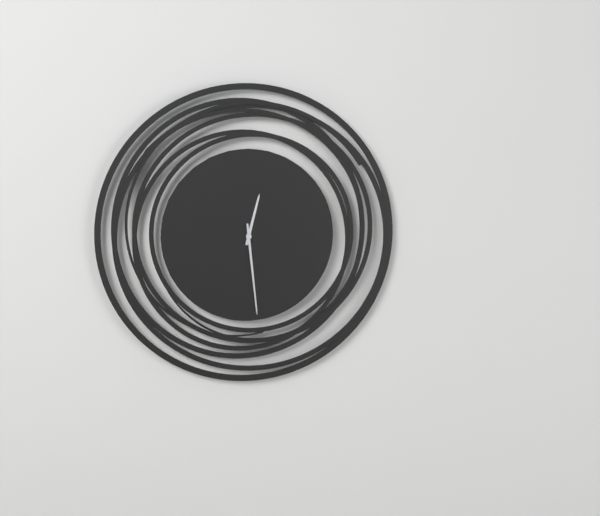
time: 12:29
